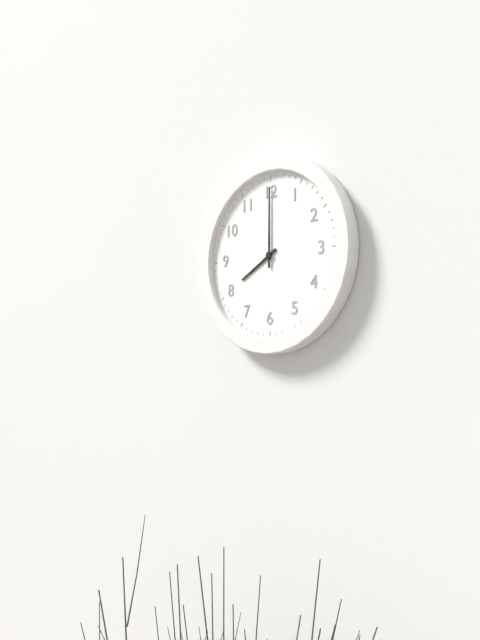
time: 8:00
